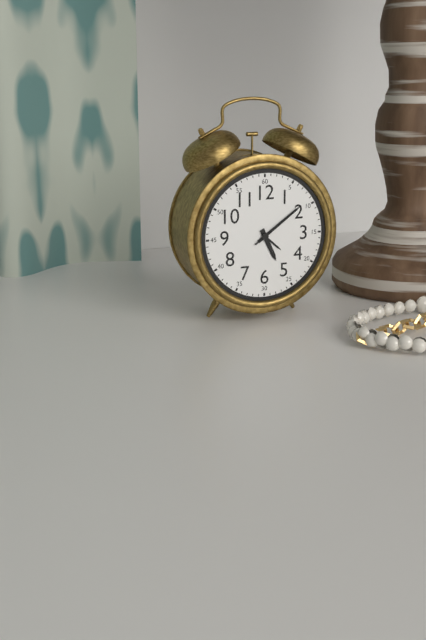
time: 5:09:09
